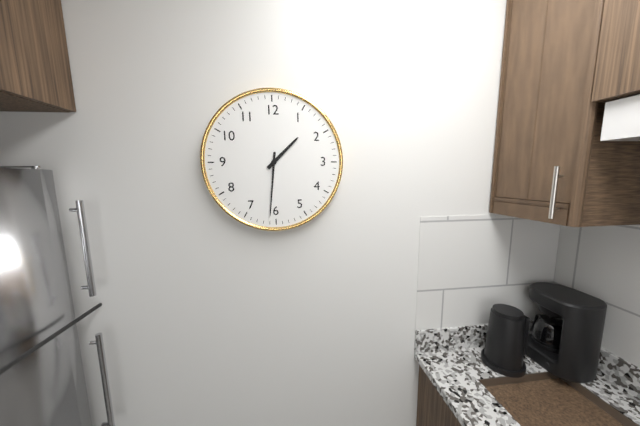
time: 1:31
